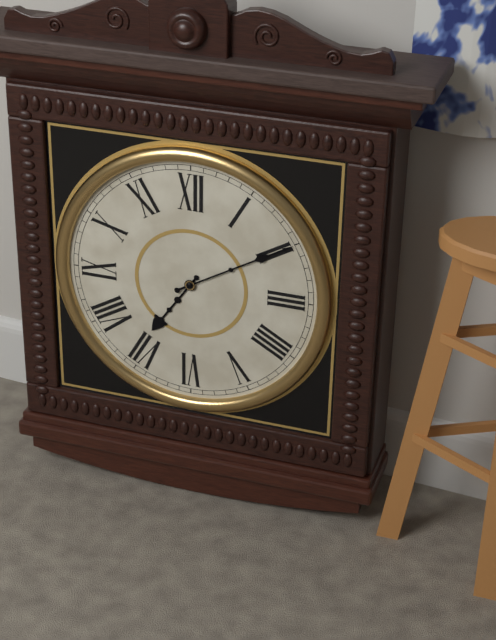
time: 7:10
